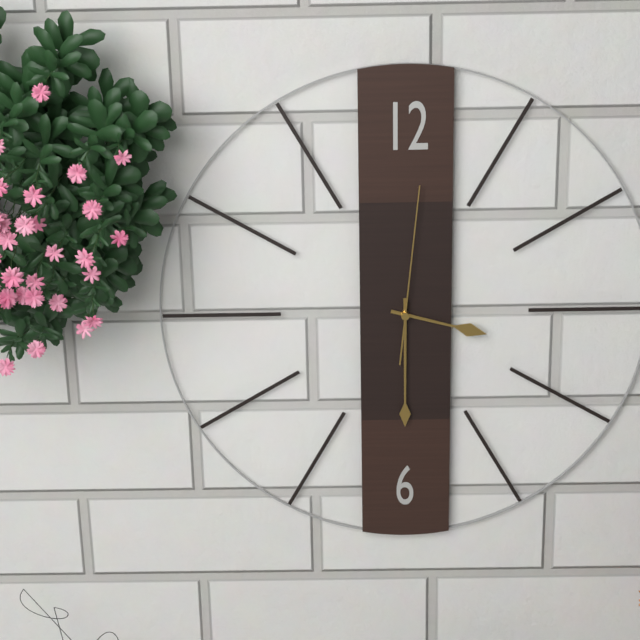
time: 3:30:01
